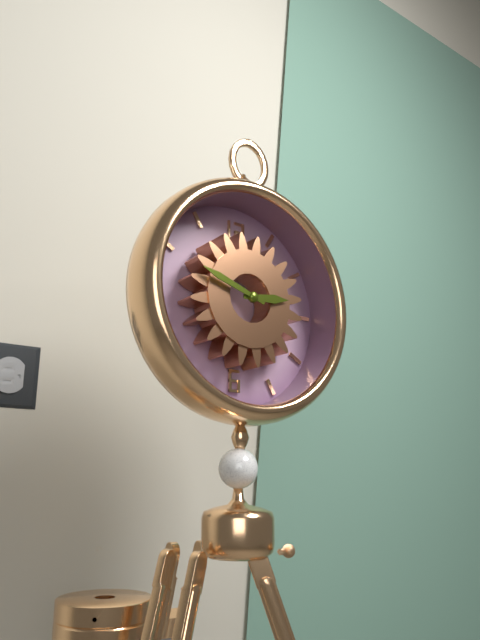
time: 2:48
